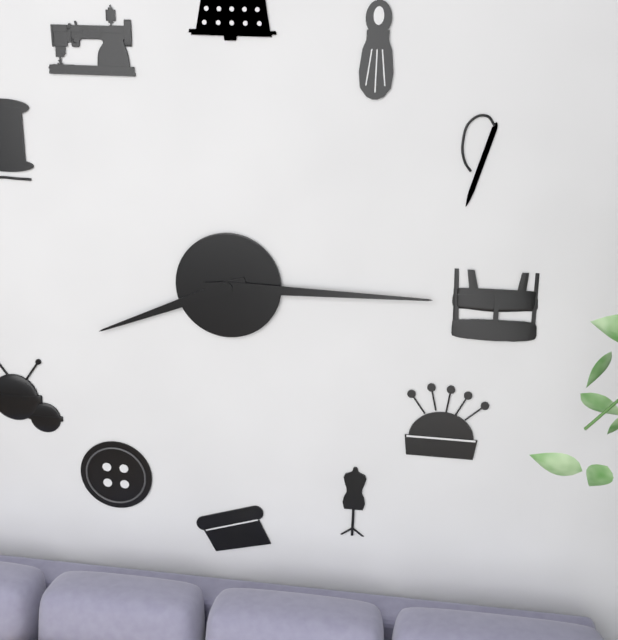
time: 8:15
